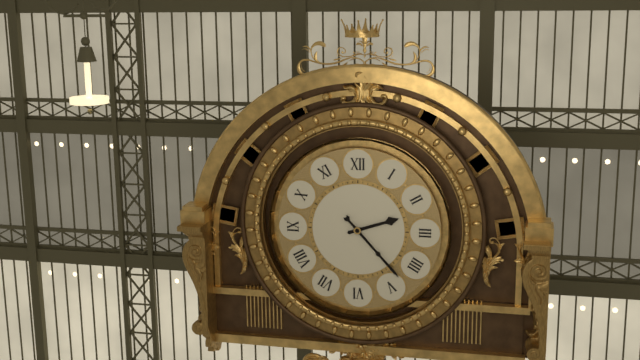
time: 2:23
